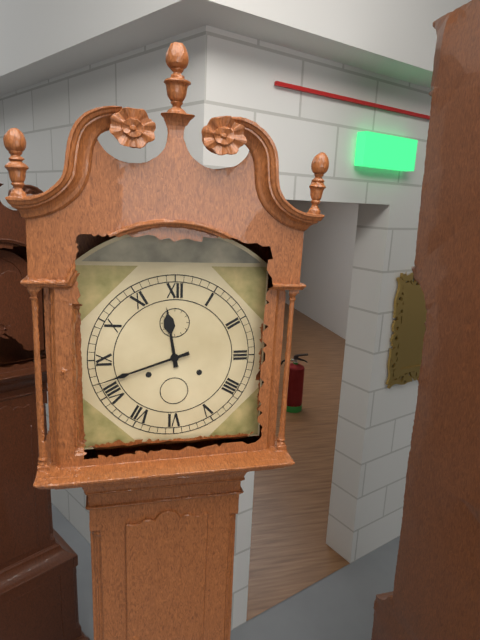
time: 11:42
